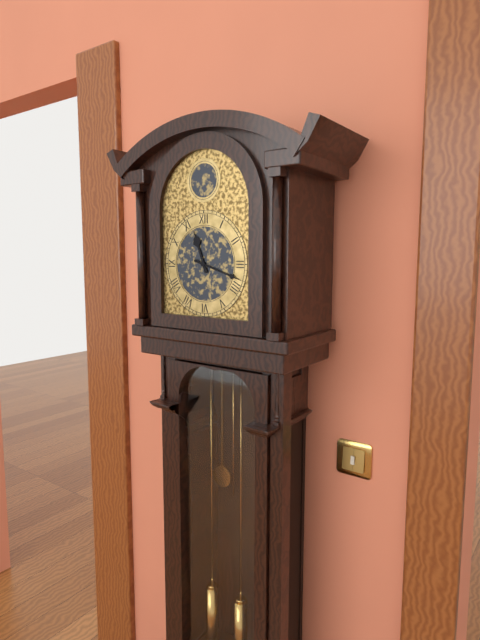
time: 11:18
